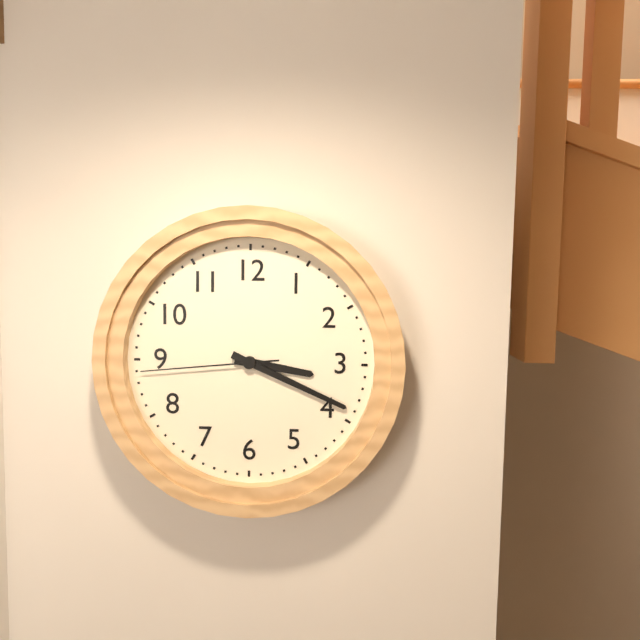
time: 3:19:44
